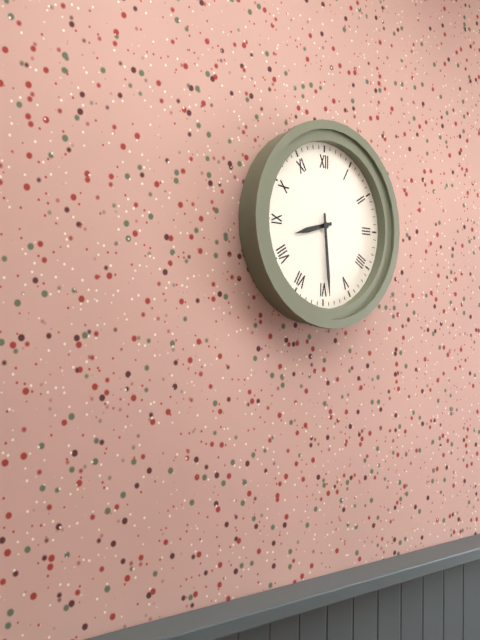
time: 8:29
